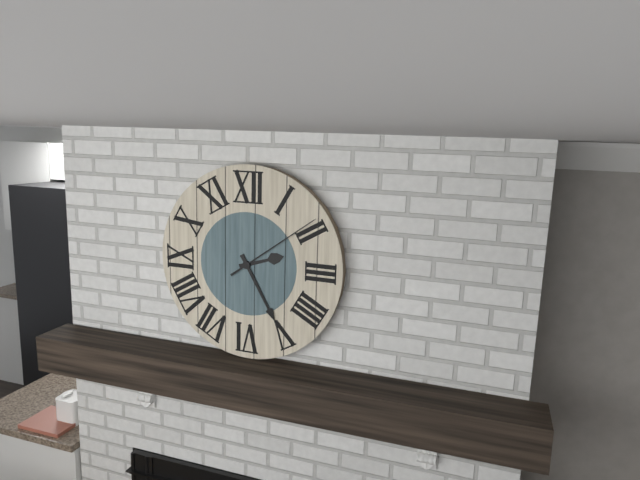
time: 2:25:09
